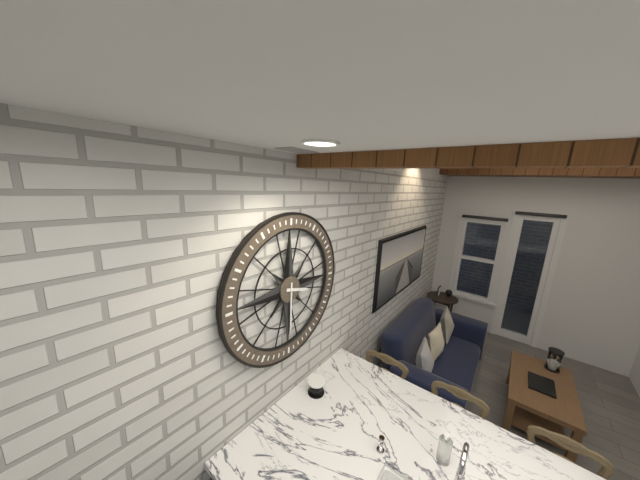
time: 3:30
